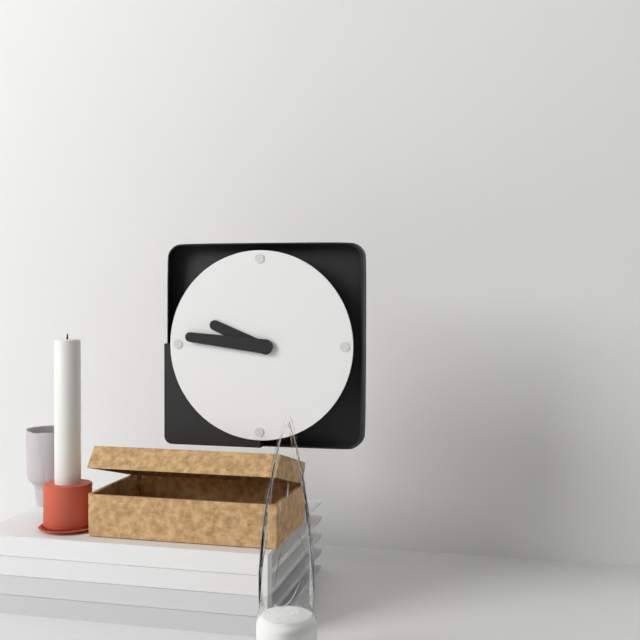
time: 9:46
